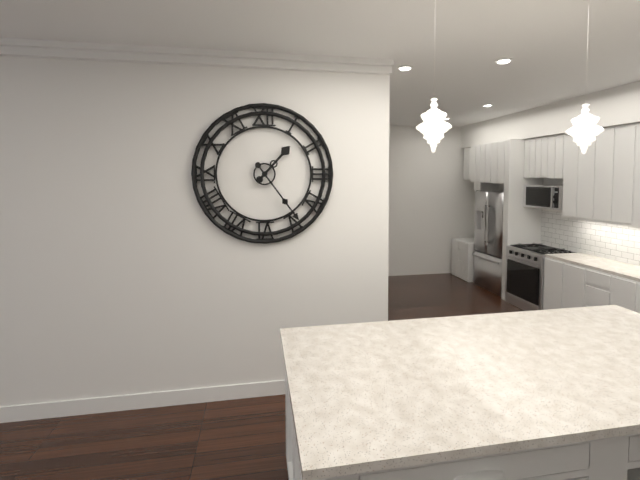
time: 1:24
